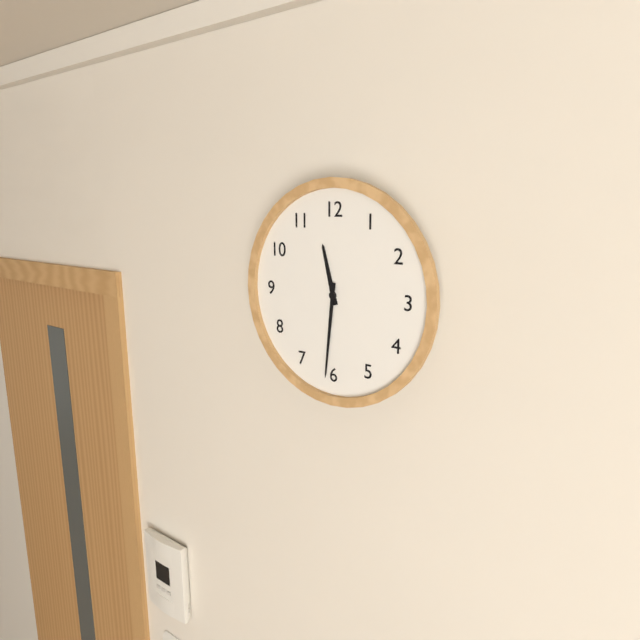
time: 11:31
